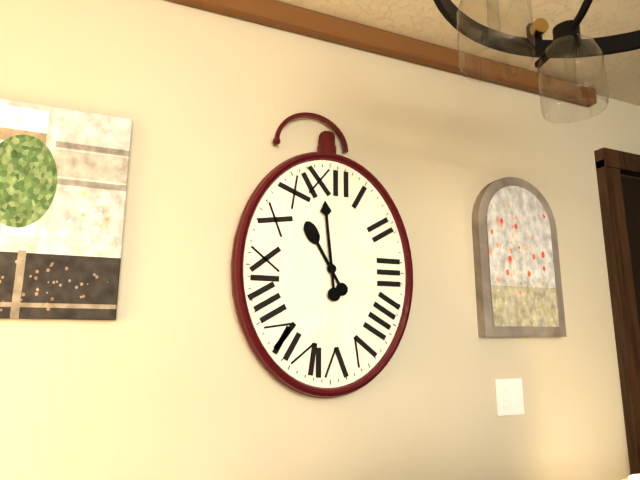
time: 10:59
